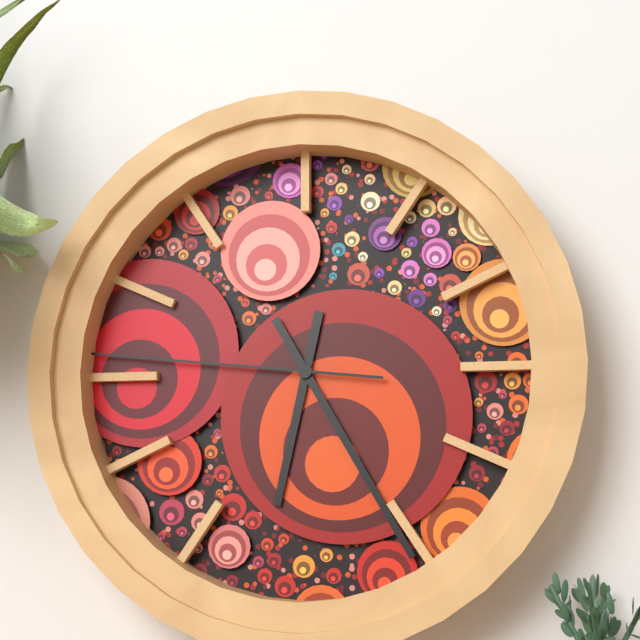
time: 6:25:46
